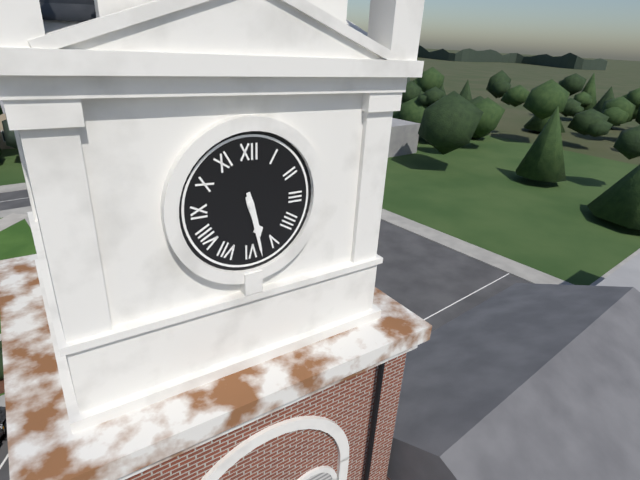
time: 5:28
